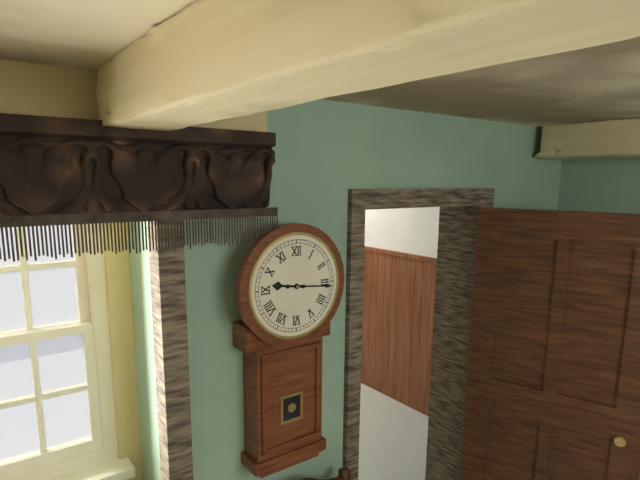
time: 9:16
